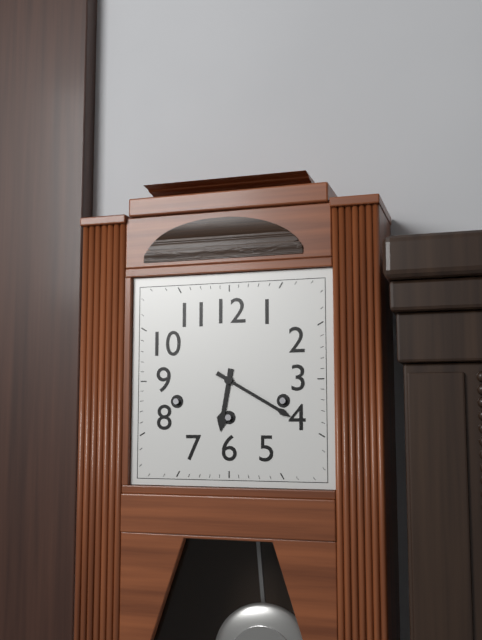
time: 6:20
